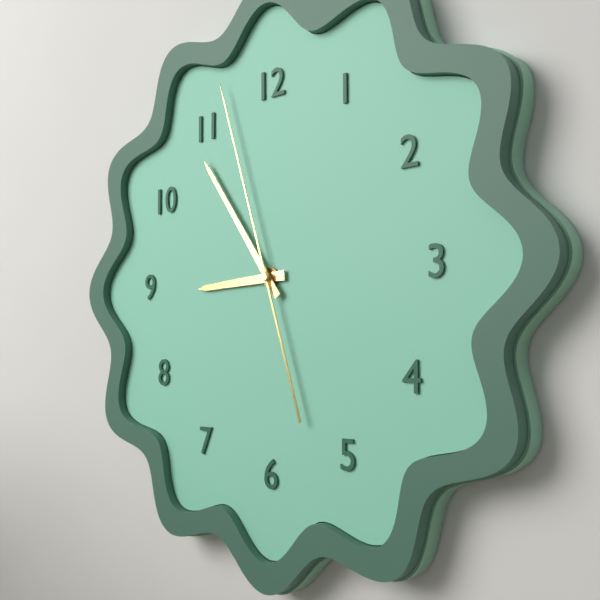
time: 8:54:57
